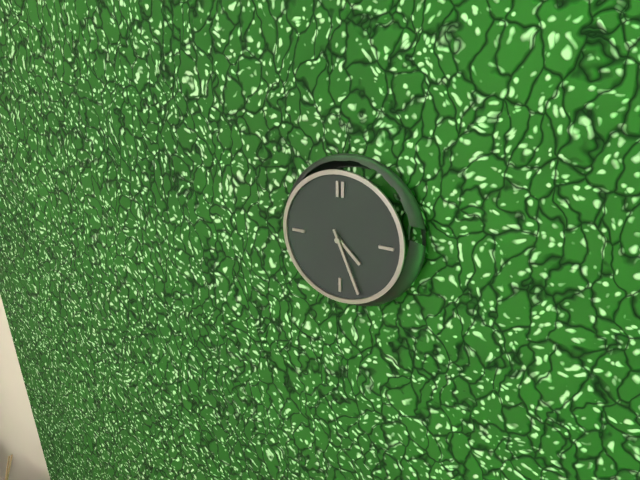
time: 4:26
